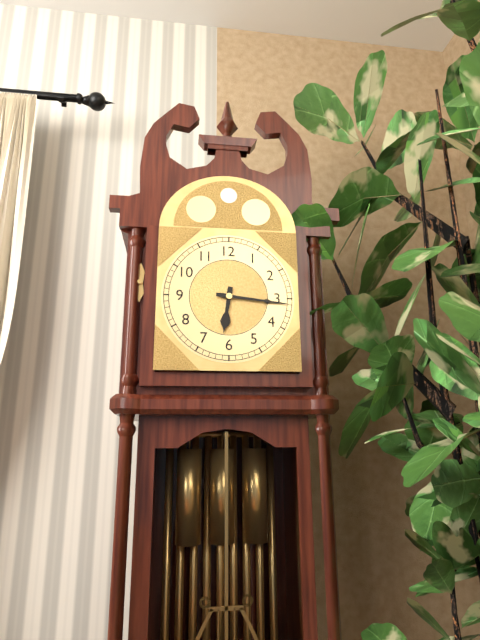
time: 6:16
